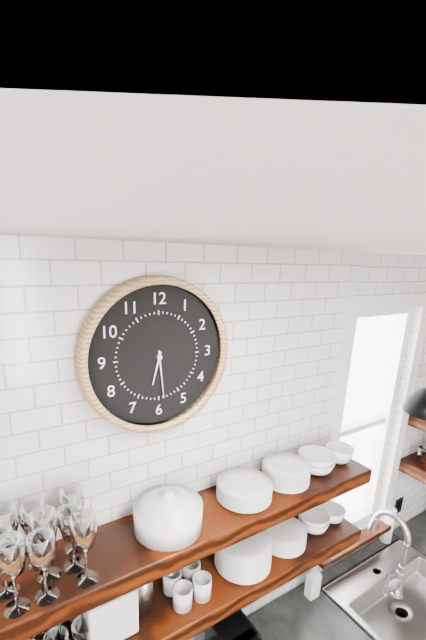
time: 6:29
